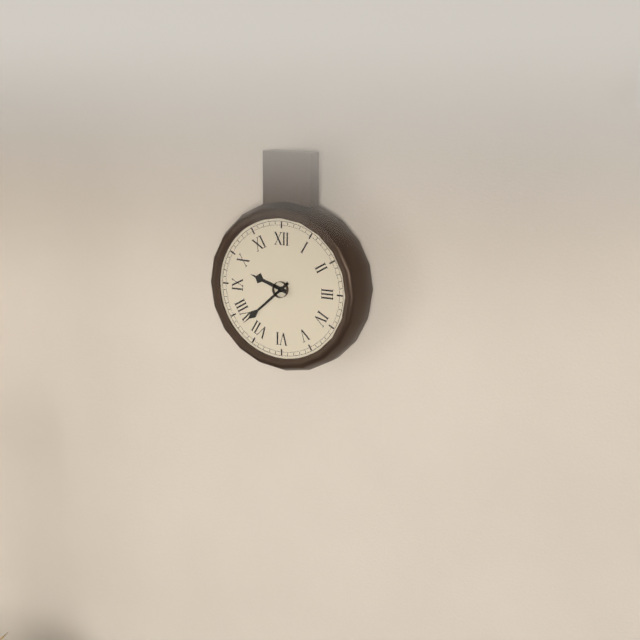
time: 9:38
